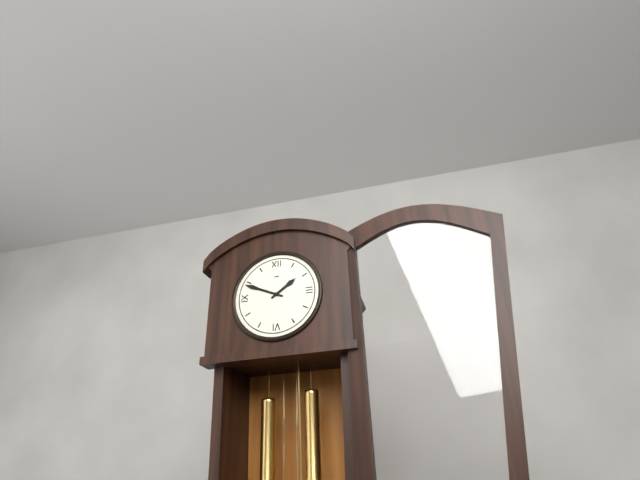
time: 1:49
